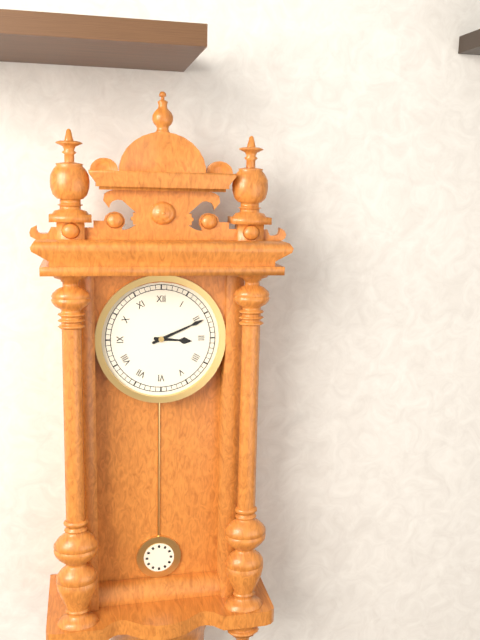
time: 3:11
